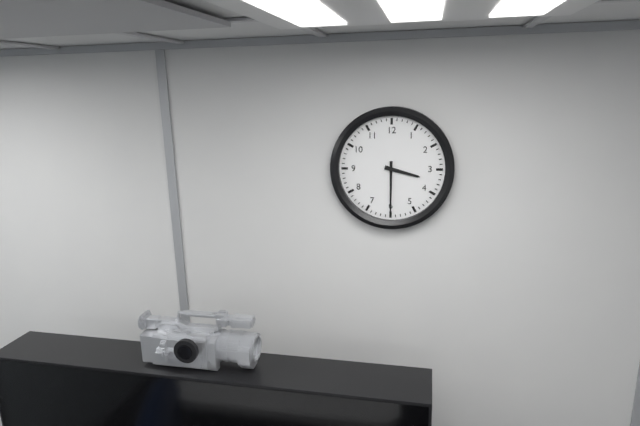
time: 3:30
